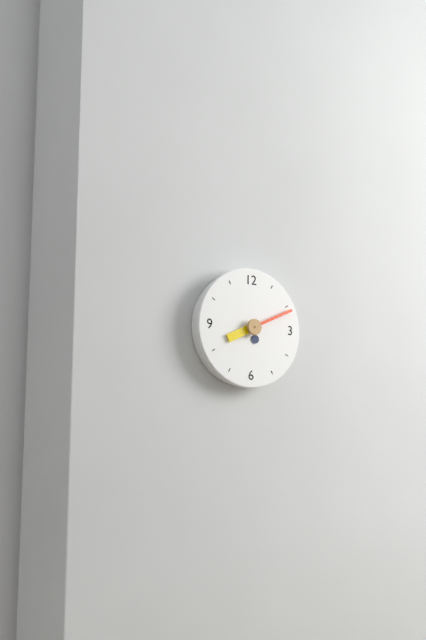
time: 8:11
